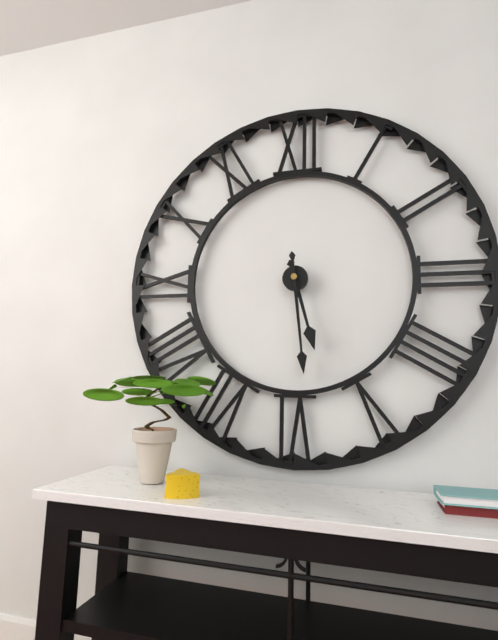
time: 5:29
